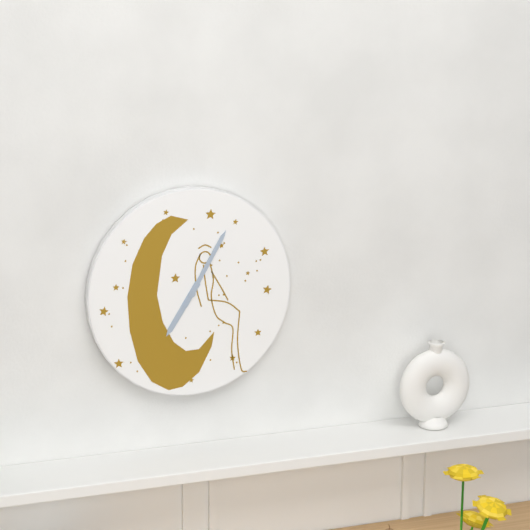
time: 7:05
